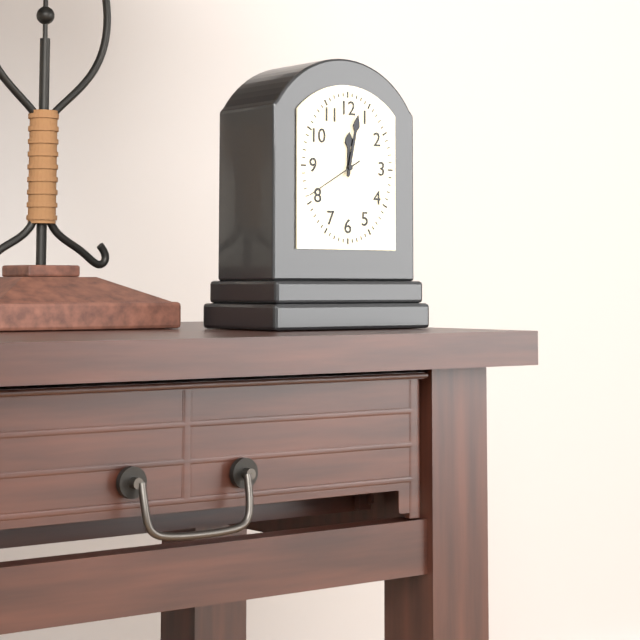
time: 12:02:40
